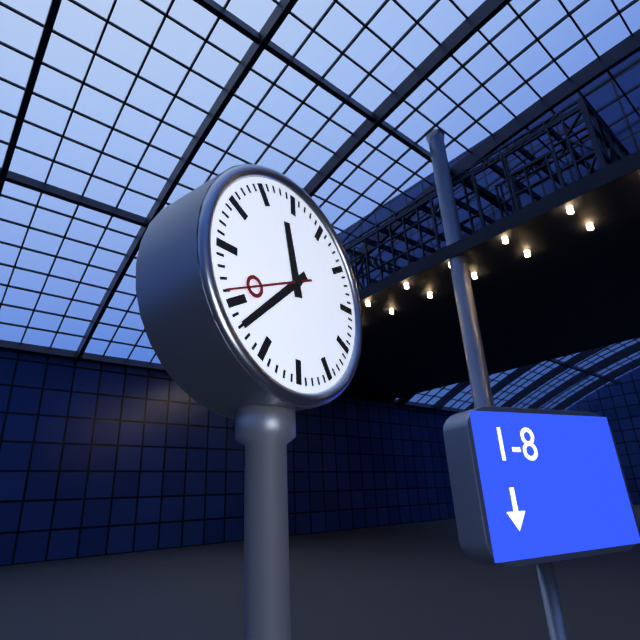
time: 11:38:41
